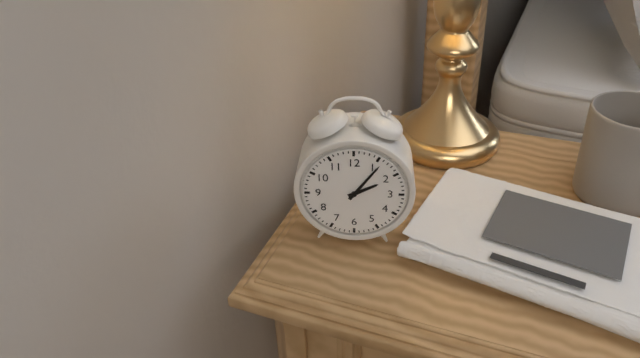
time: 2:06
